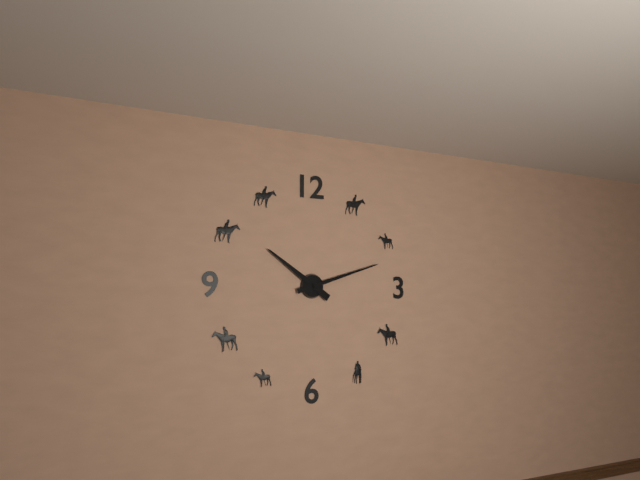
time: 10:12
